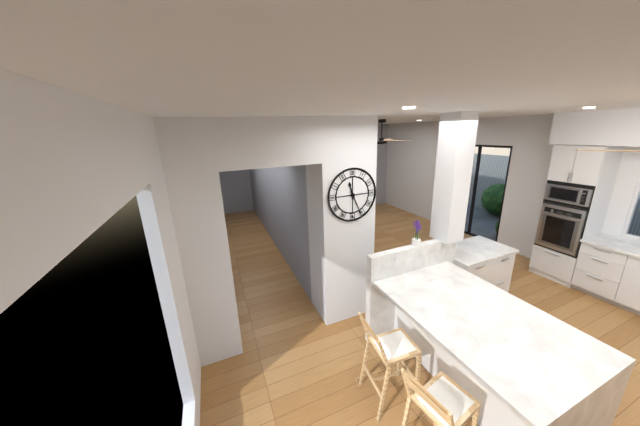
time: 11:26
